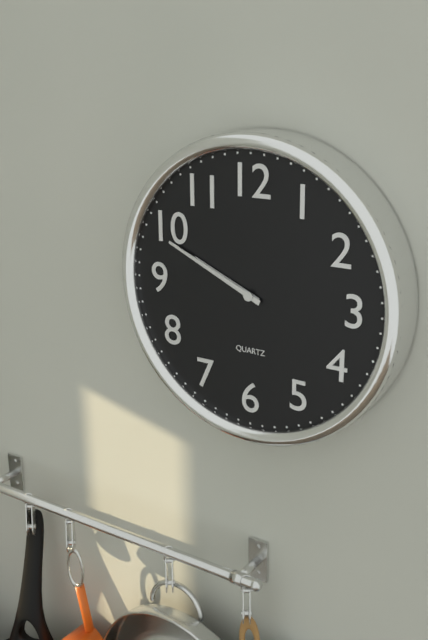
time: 9:49
